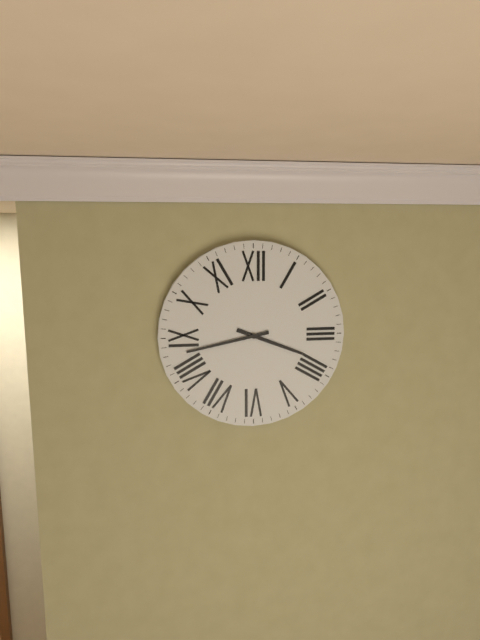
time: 3:43
